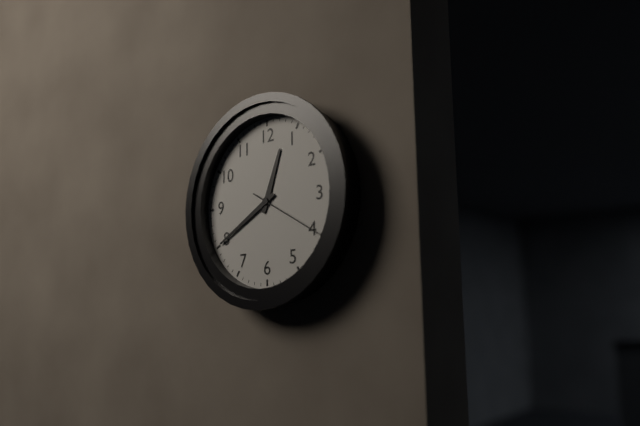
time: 12:40:20
